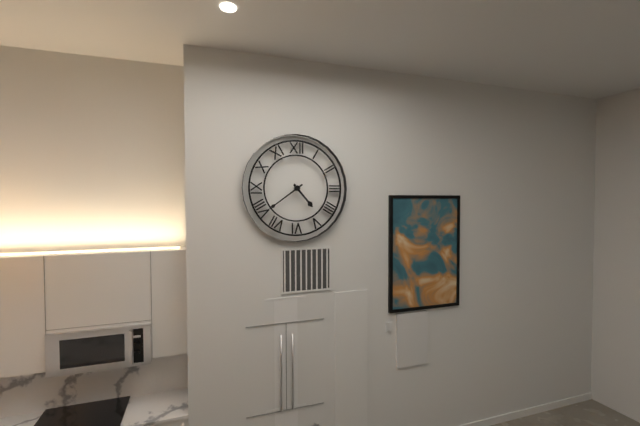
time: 4:39
